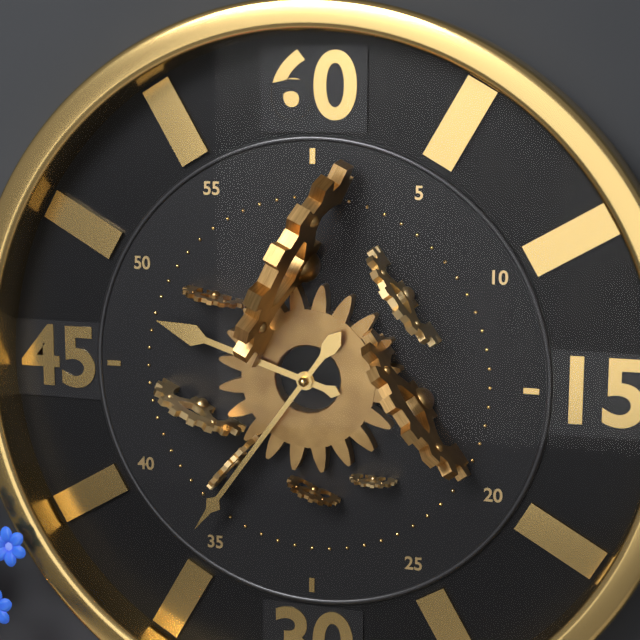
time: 9:36
